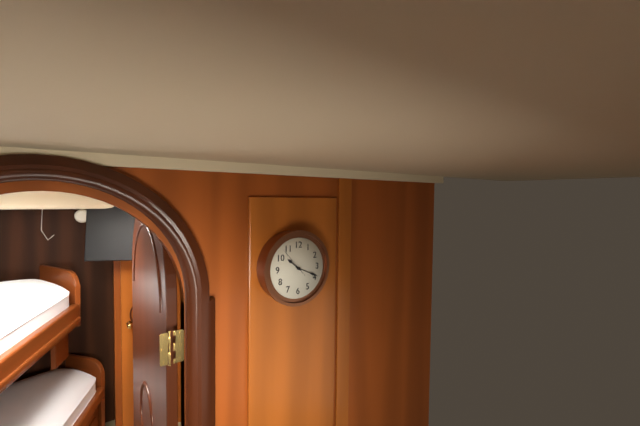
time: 10:19
